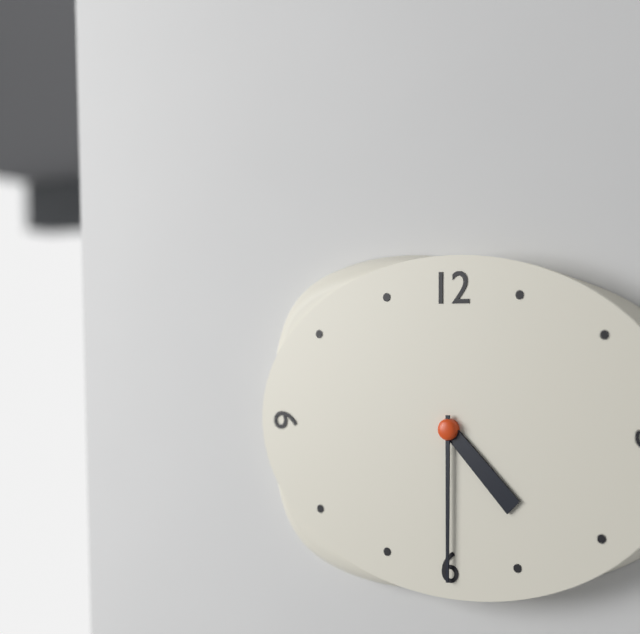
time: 4:30
